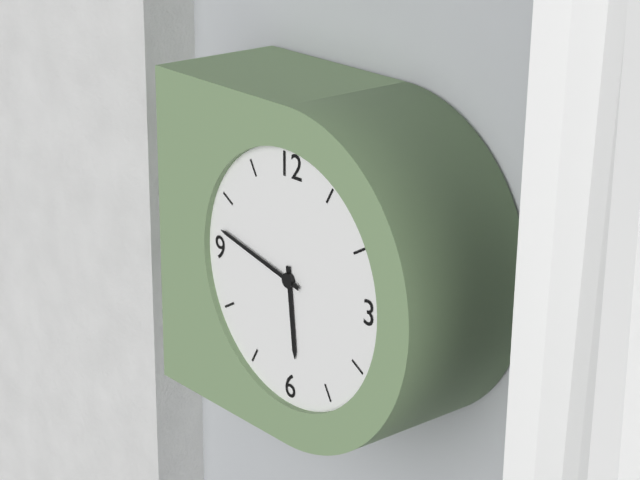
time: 5:47
